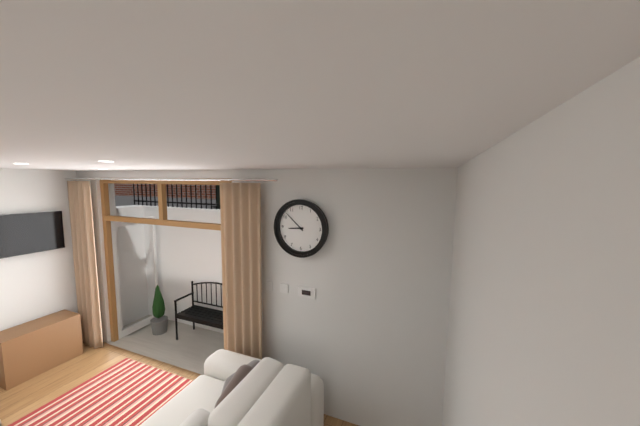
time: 8:52
